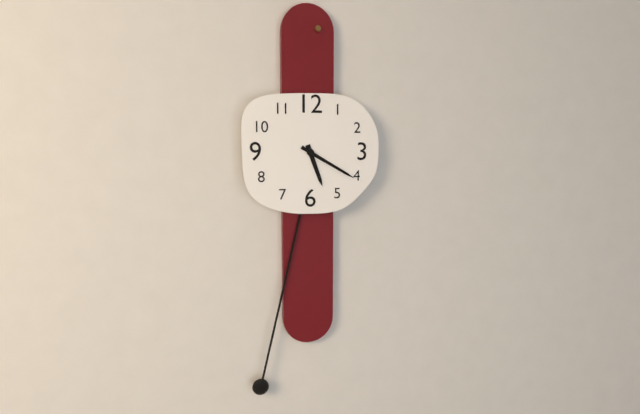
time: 5:20
